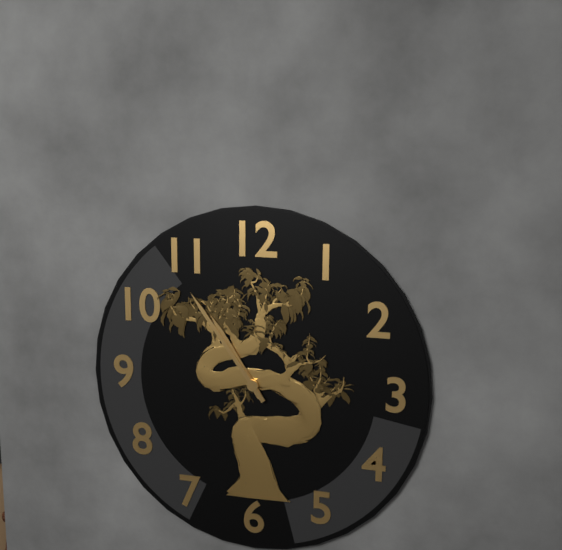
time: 10:54
